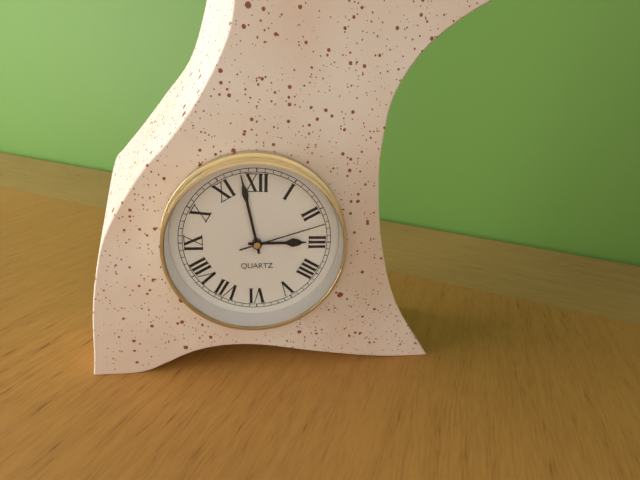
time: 2:58:12
